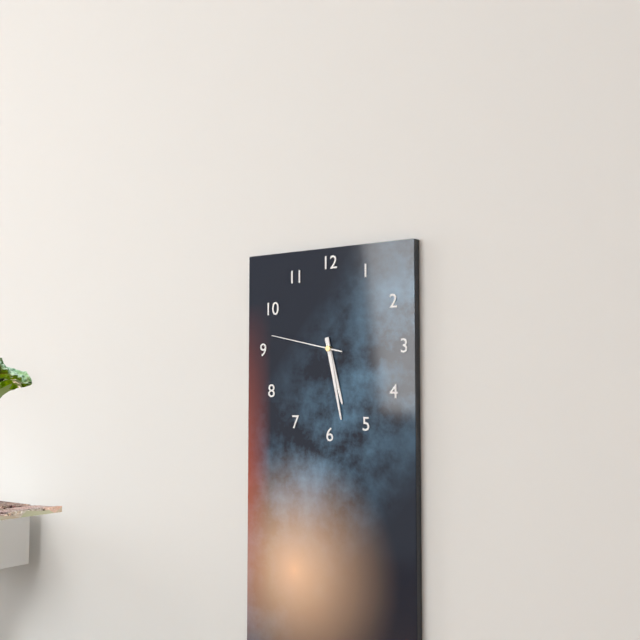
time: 5:28:47
